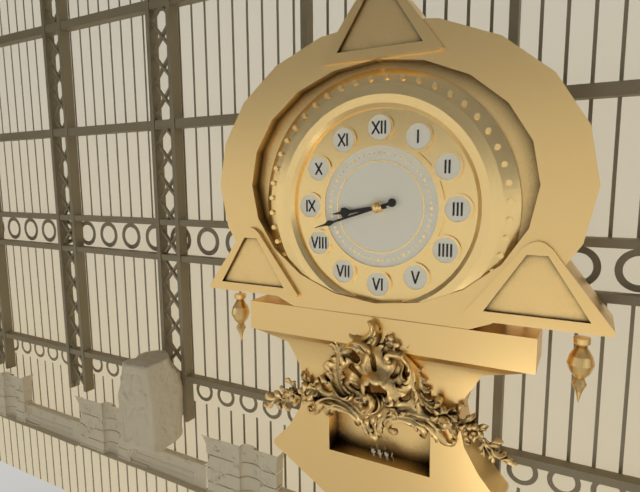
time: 8:42
